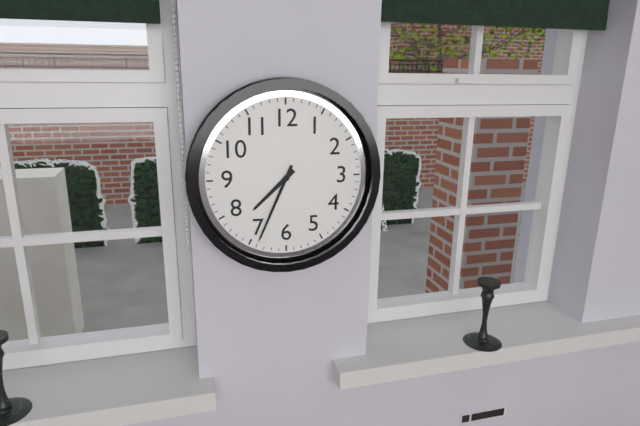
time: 7:34
